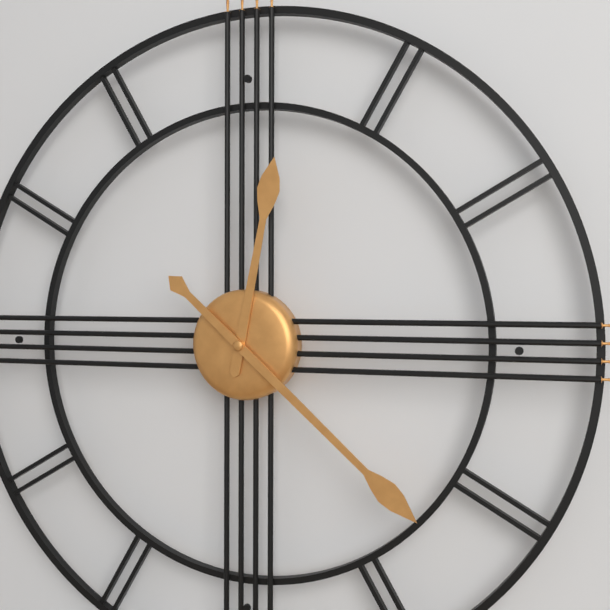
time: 12:22
